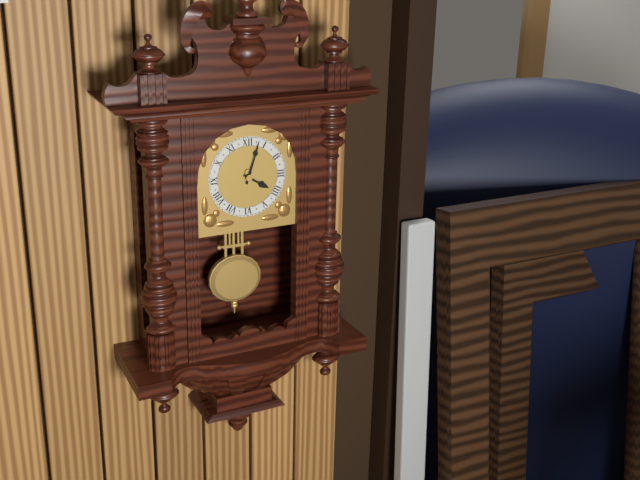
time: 4:03
